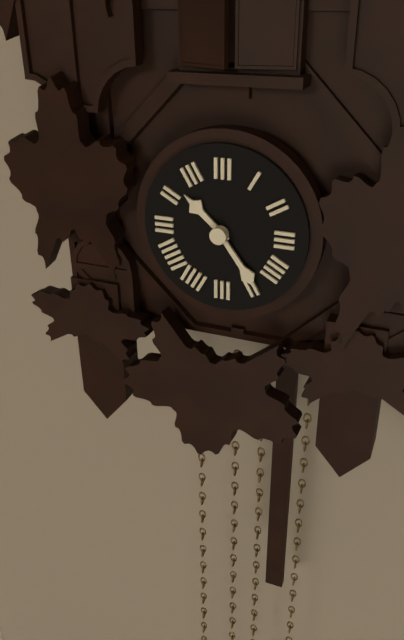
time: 10:24
